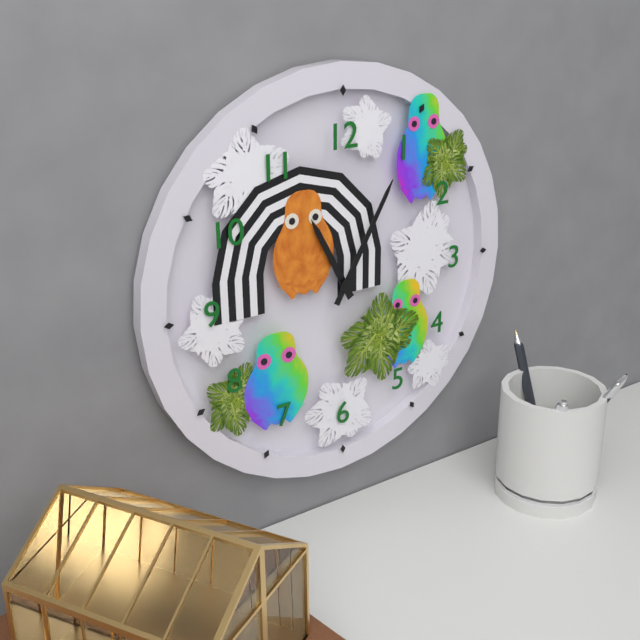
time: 11:05
